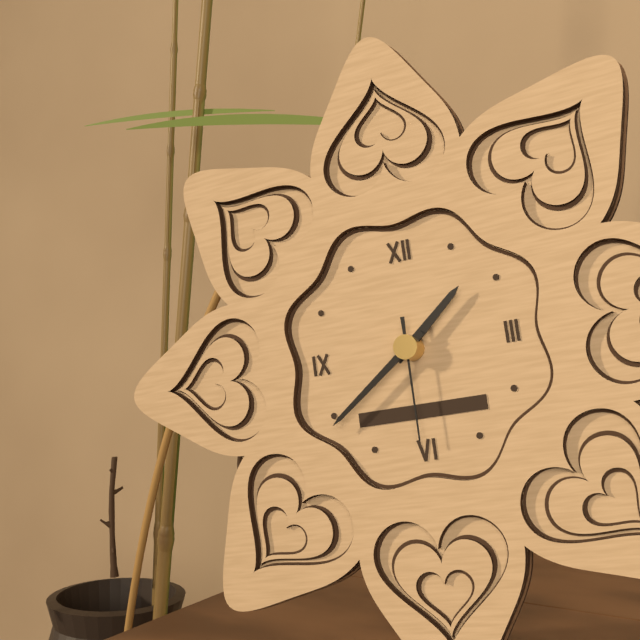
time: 1:39:30
